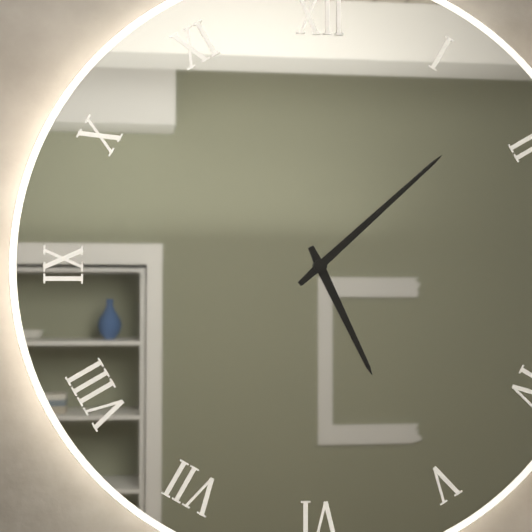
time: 5:08
